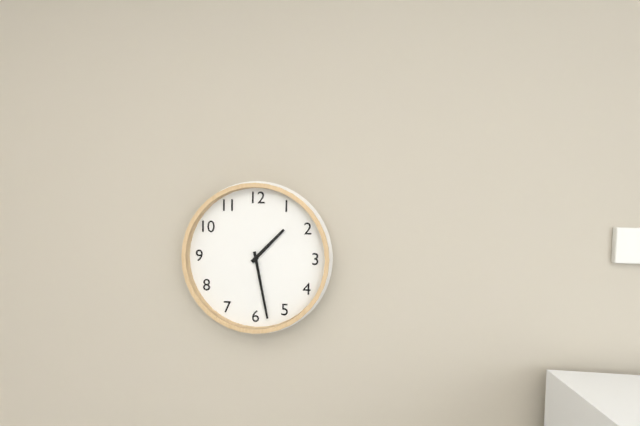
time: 1:28
